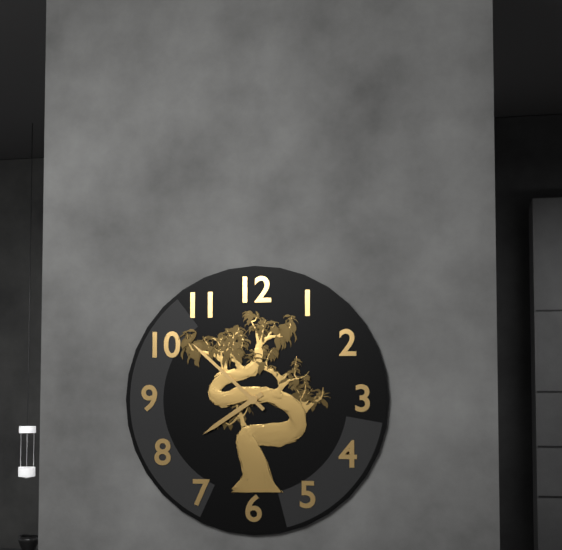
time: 7:52
